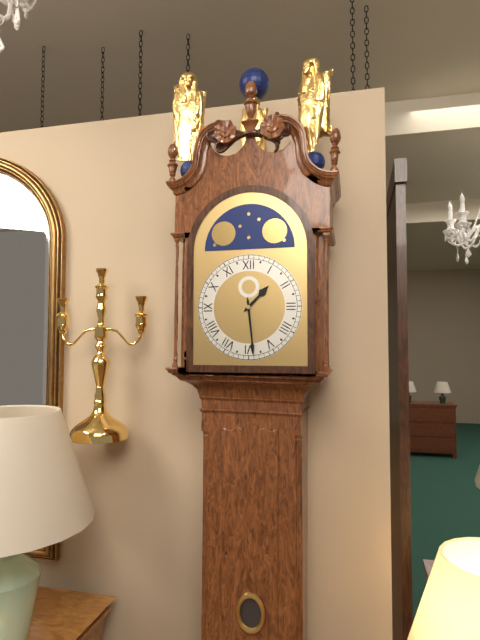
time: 1:29
